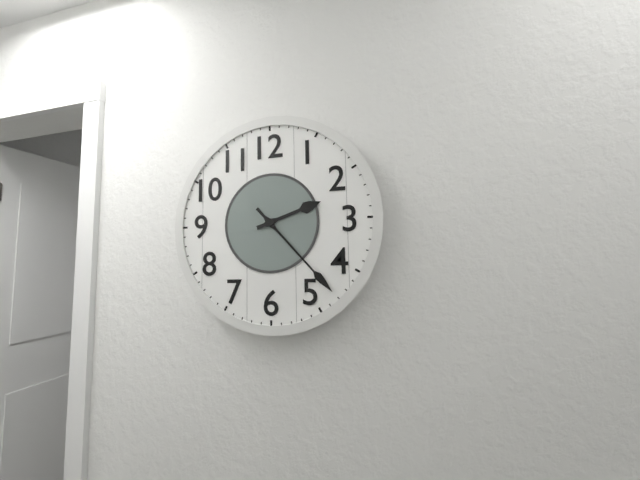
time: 2:23
